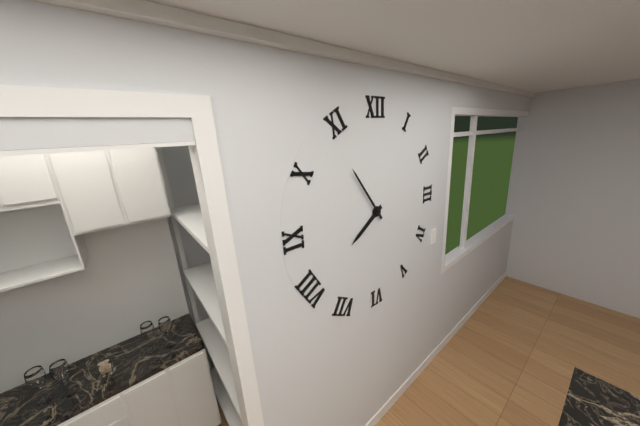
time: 7:54
